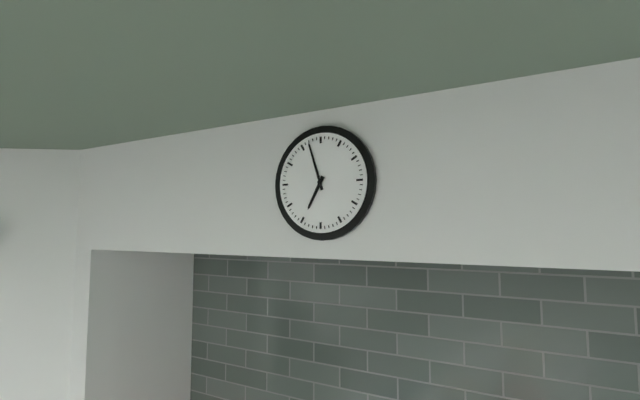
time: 6:57
